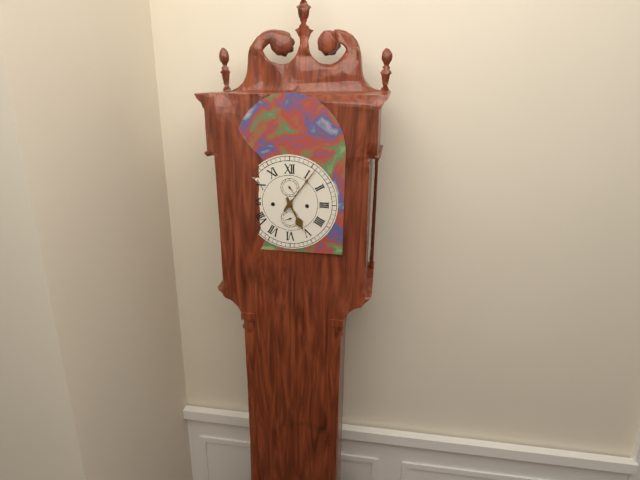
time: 5:06
